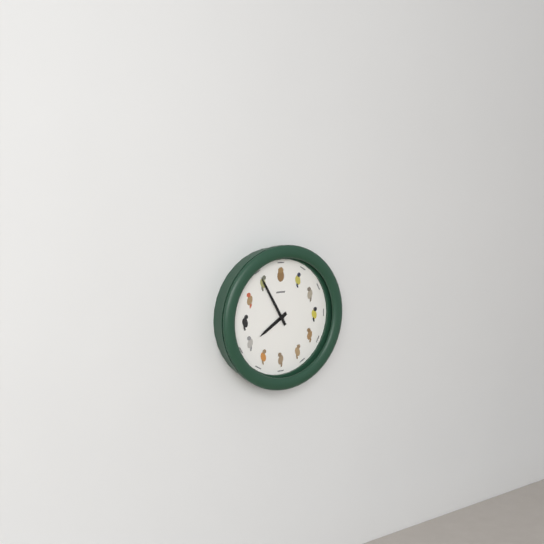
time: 7:55
